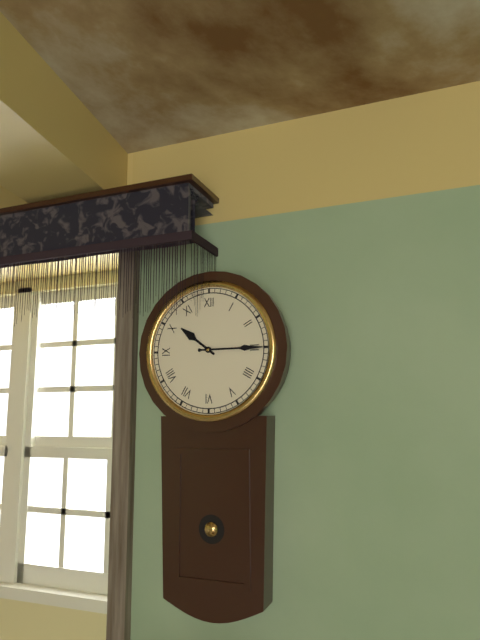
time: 10:15
